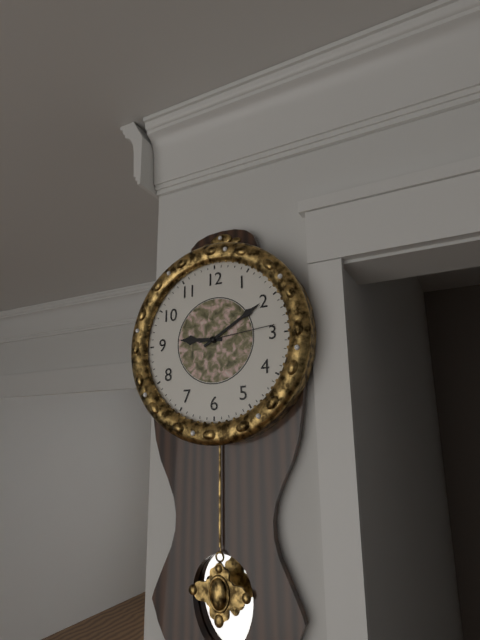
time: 9:10:14
